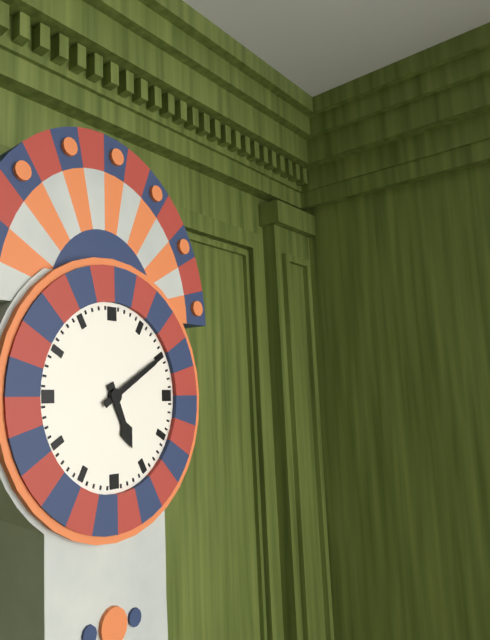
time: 5:10
